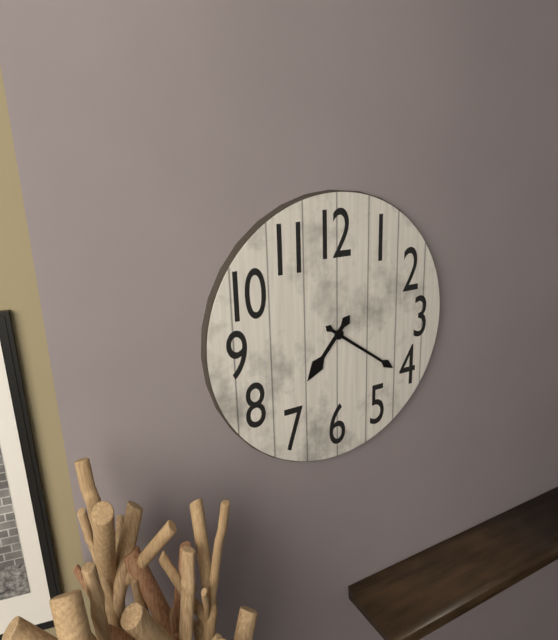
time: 7:21
